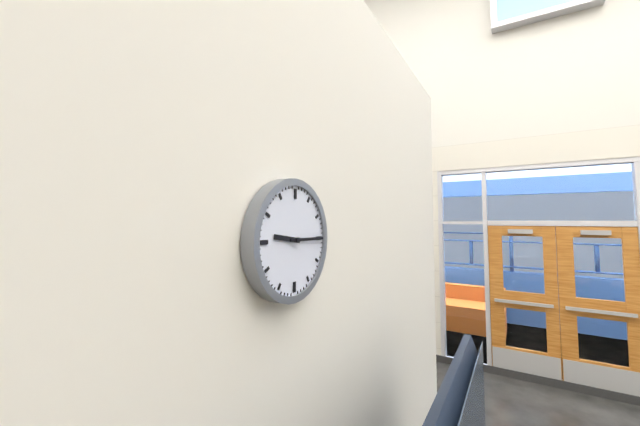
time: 9:15
